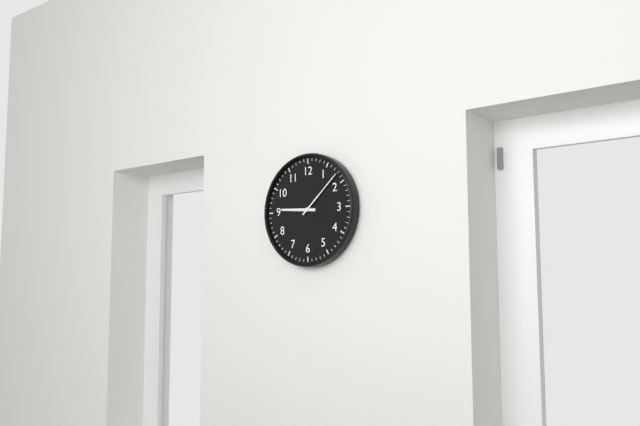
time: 9:08
